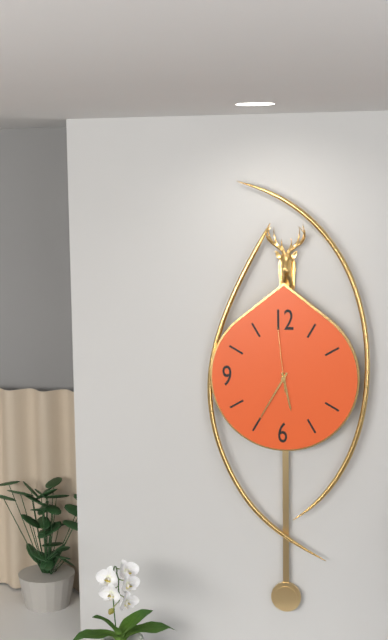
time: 5:35:59
